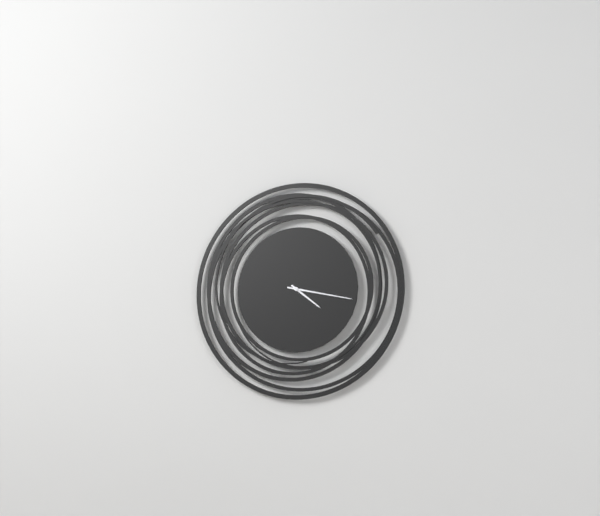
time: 4:17
